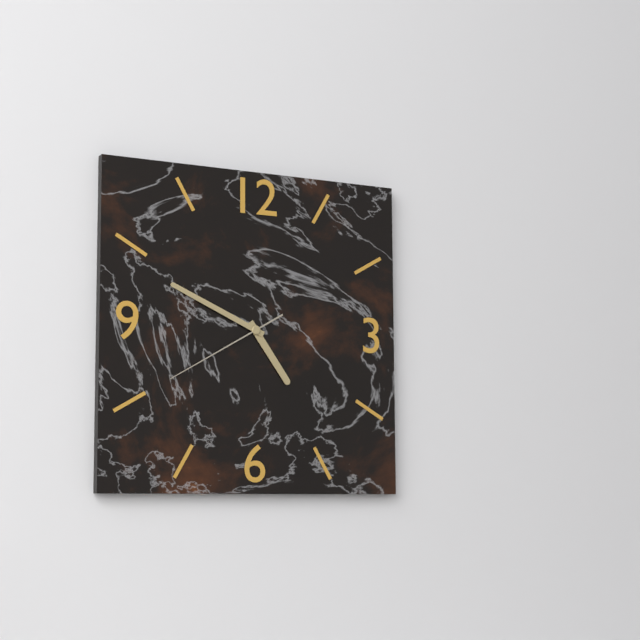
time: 4:49:40
